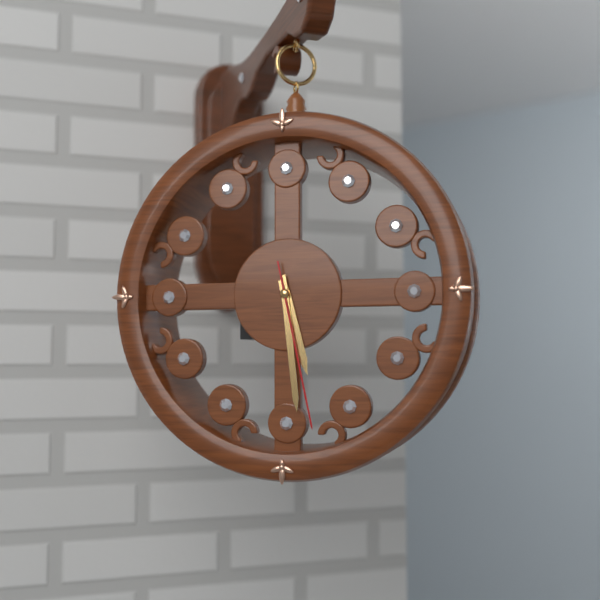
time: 5:29:28
